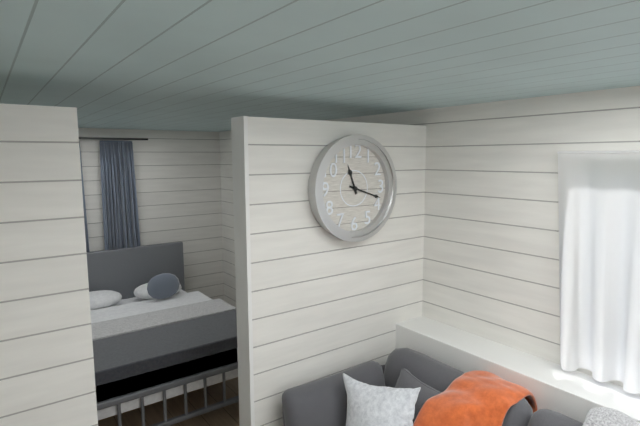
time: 11:18
